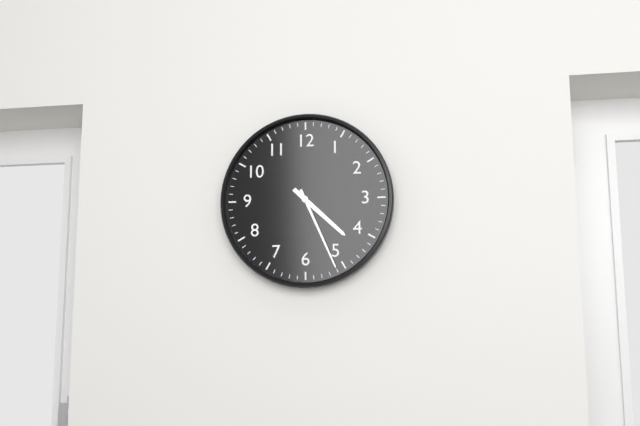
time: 4:26
